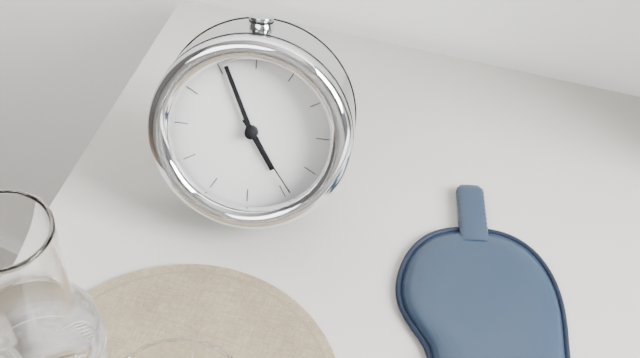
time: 4:56:24
